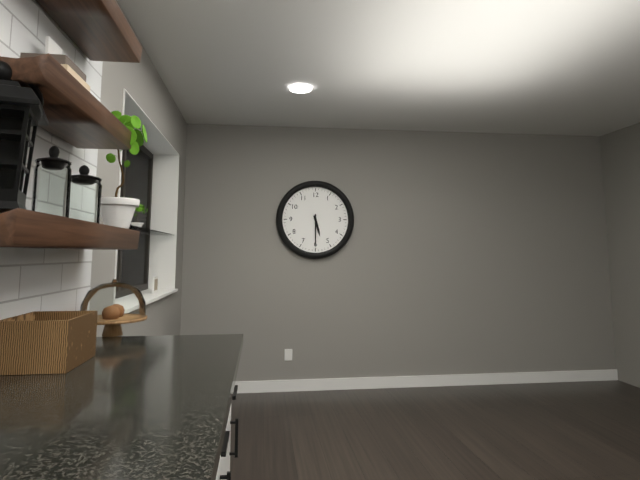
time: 5:30
